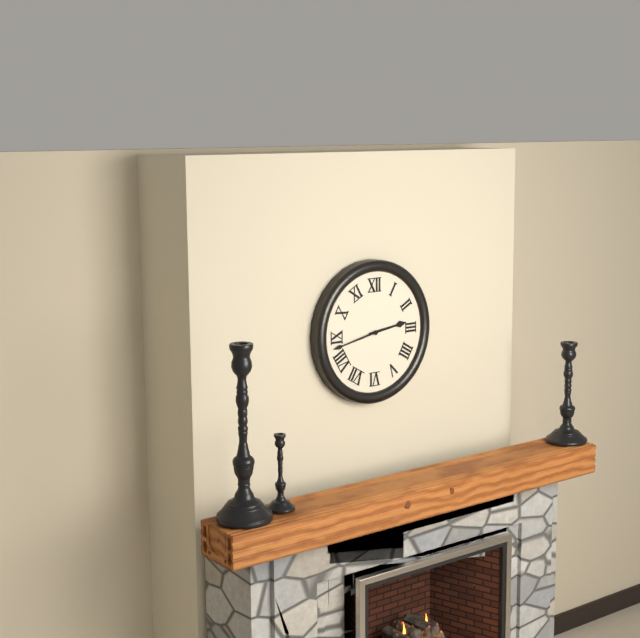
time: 2:43
